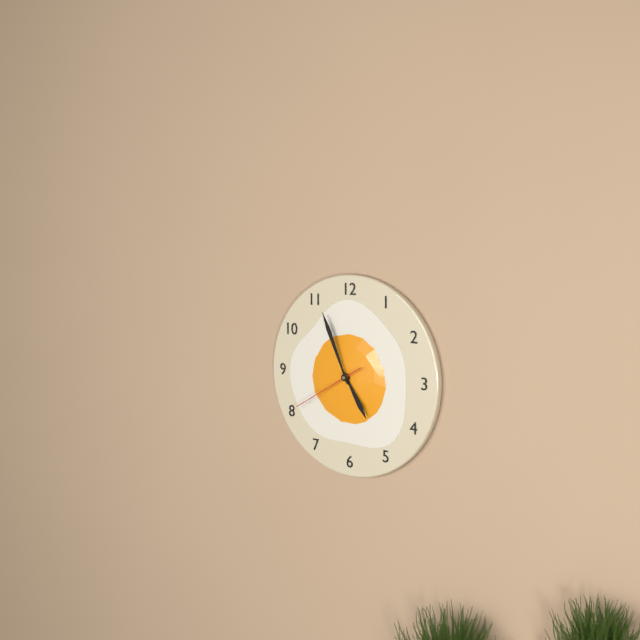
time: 4:56:40
